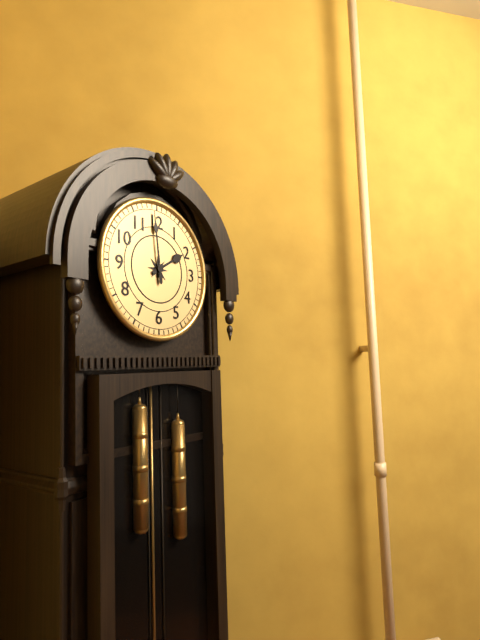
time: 1:59
